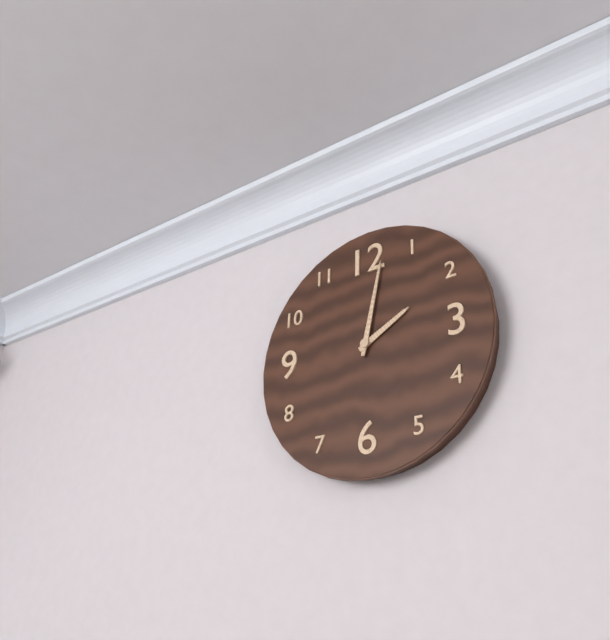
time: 2:02
